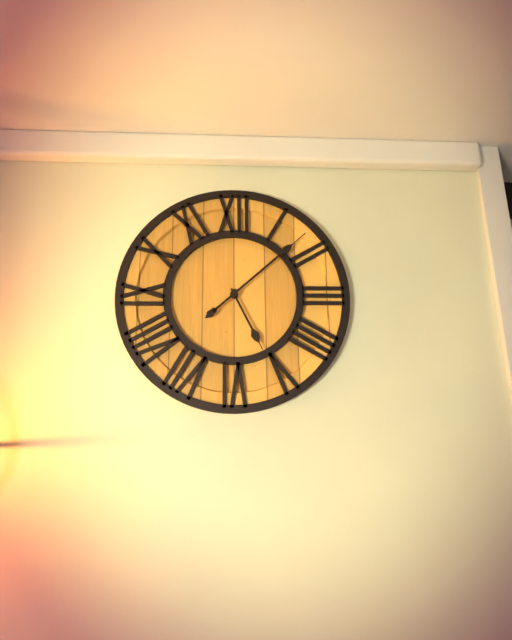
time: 5:08
